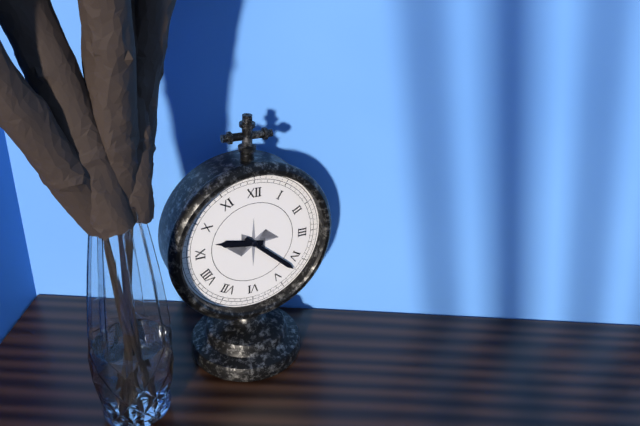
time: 9:22
